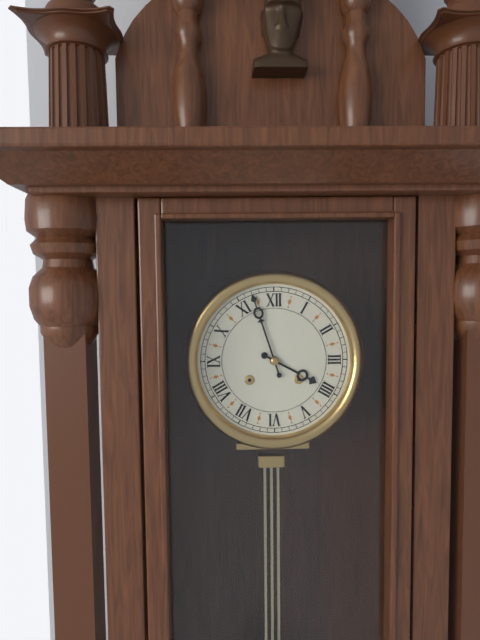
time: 3:57
